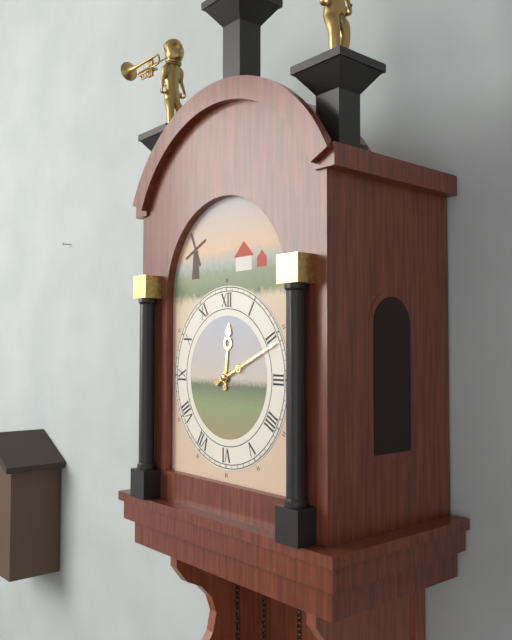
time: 12:11
